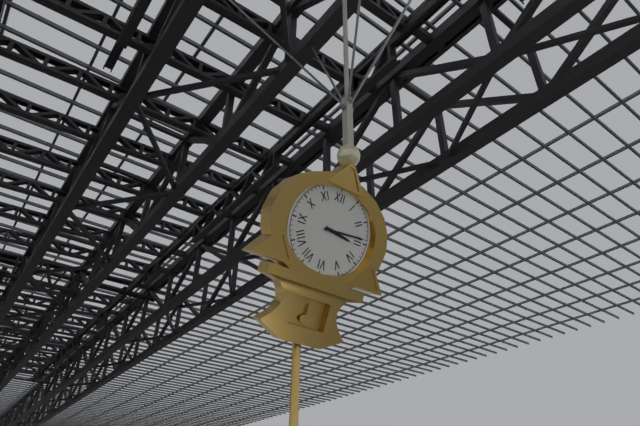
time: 3:14
